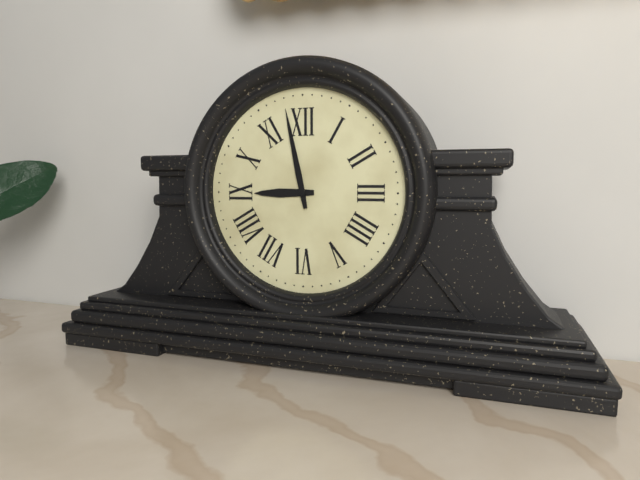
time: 8:58
